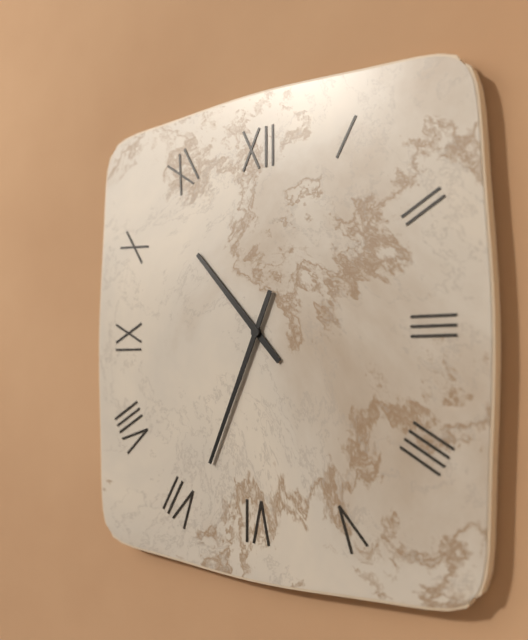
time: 10:34
